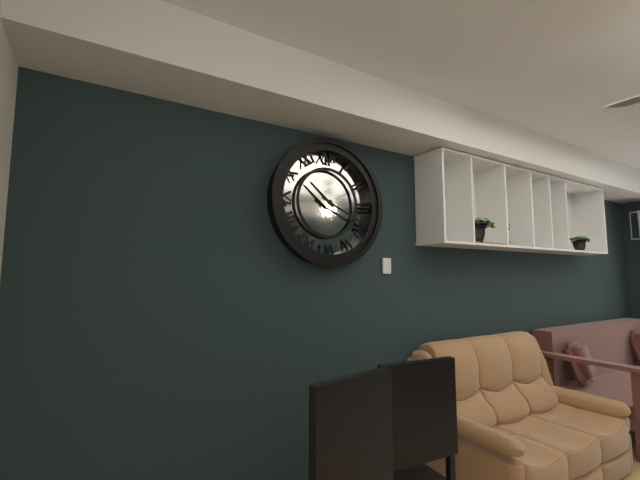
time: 10:19
